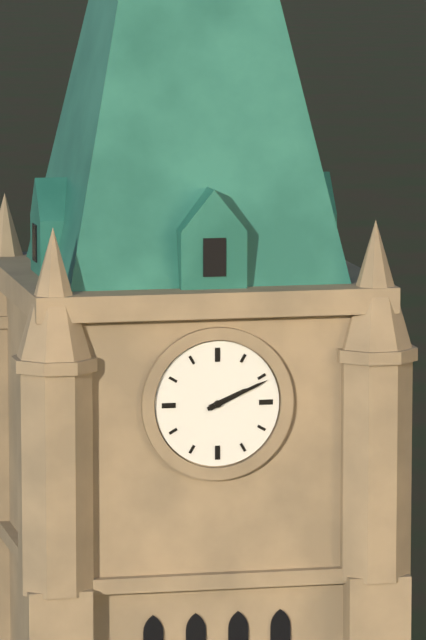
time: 2:11
